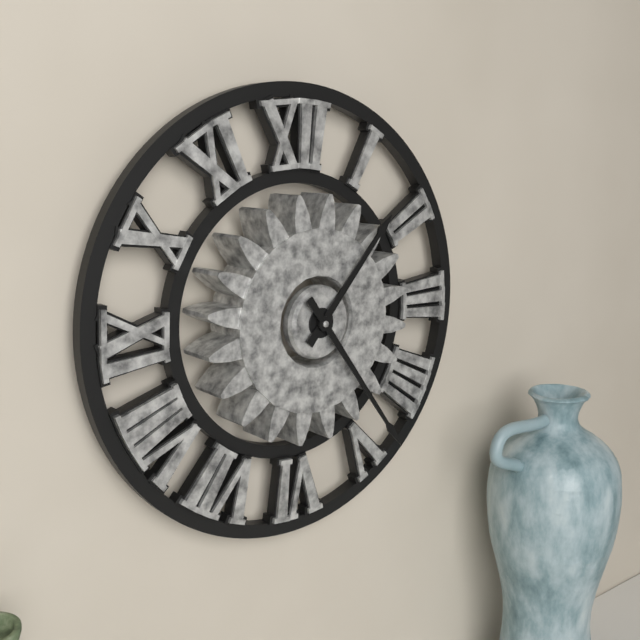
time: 1:24
